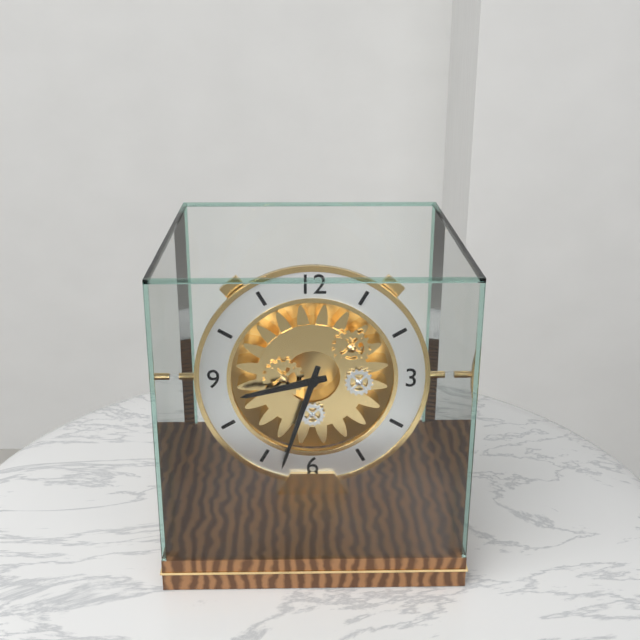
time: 8:33
